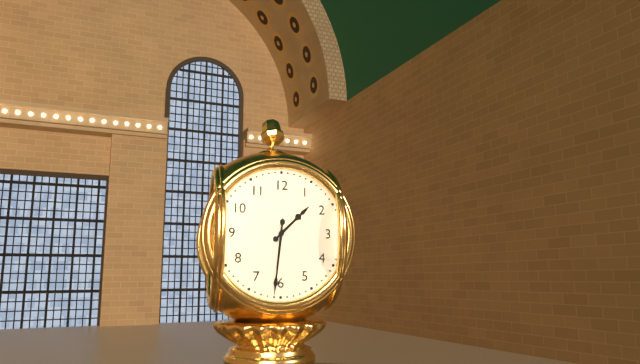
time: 1:31
